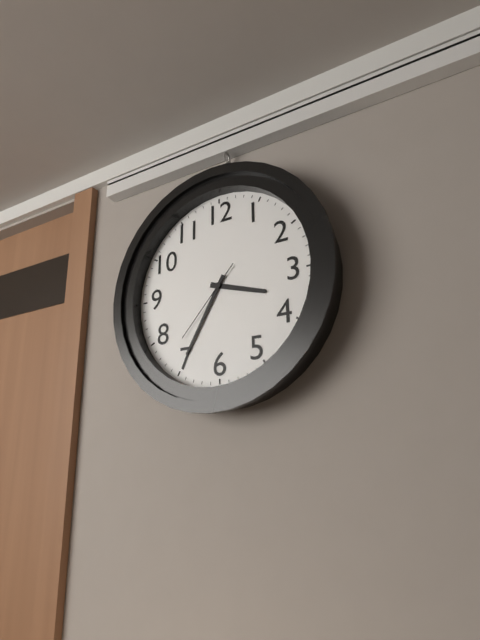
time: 3:35:37
